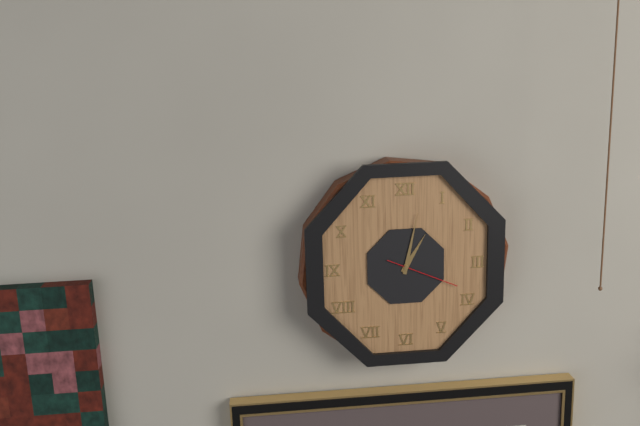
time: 1:02:19
